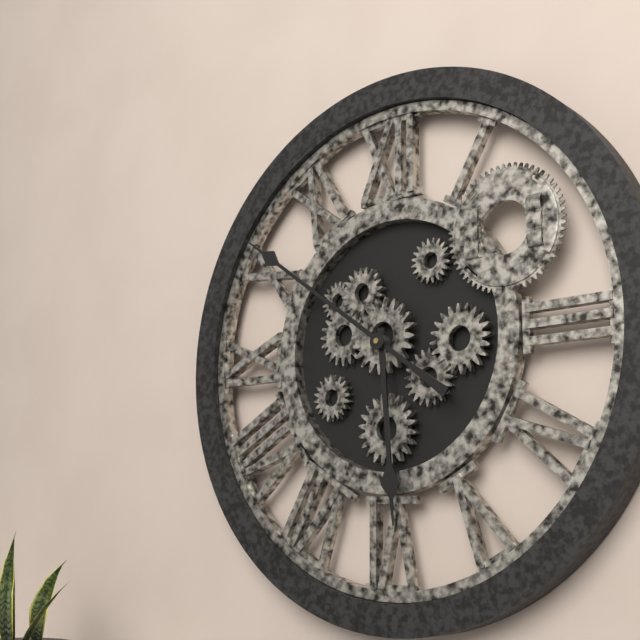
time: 5:51
